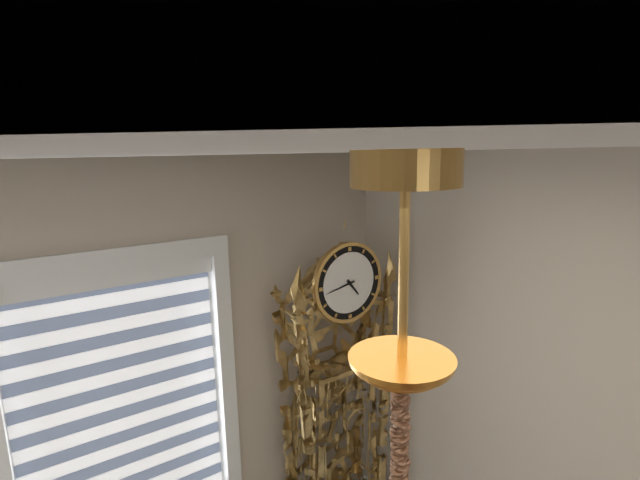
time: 4:43
